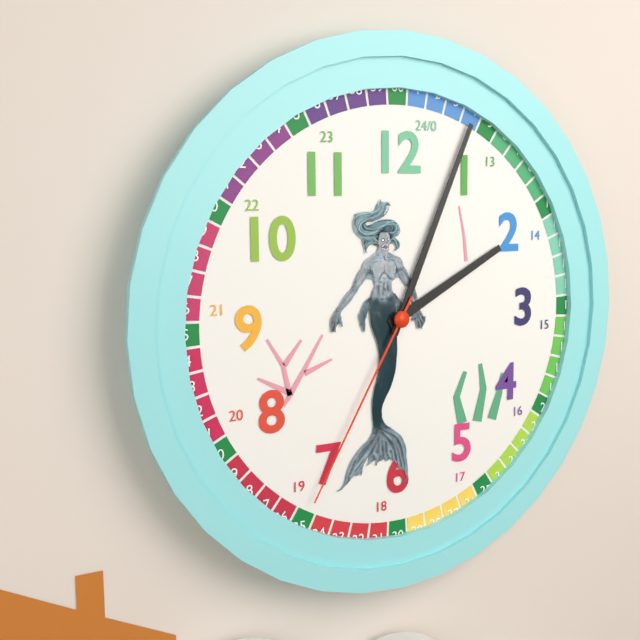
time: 2:04:35
